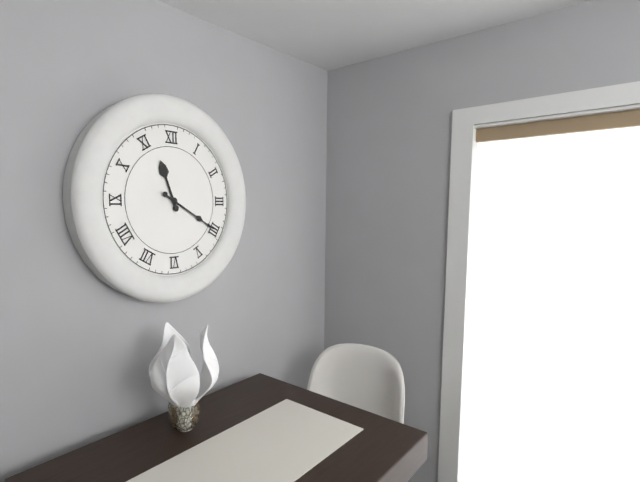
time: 11:20
